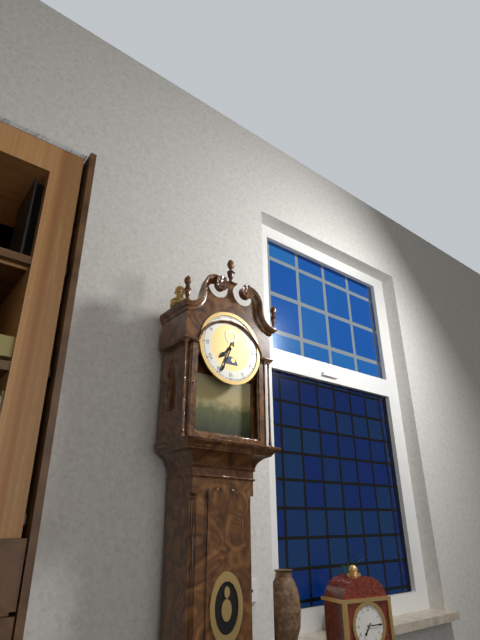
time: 7:34
